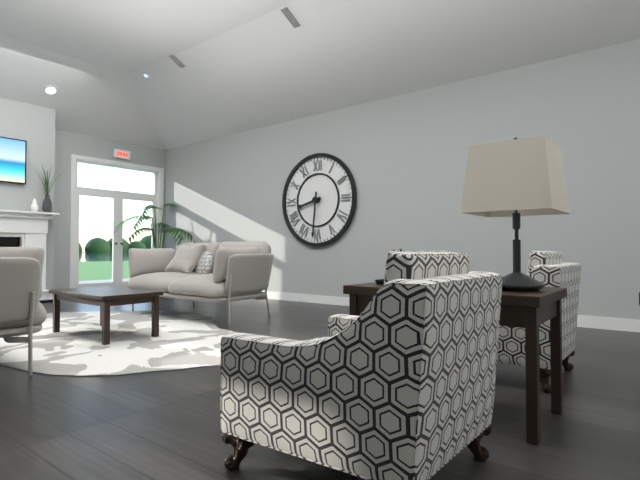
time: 8:31
